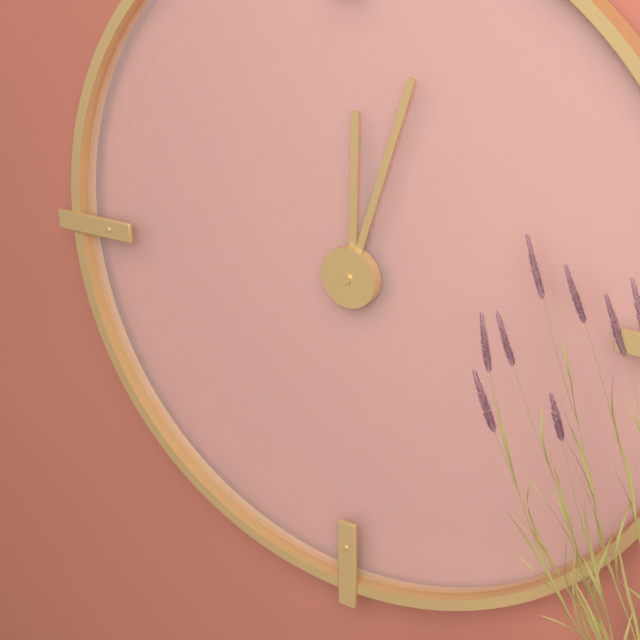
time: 12:03
